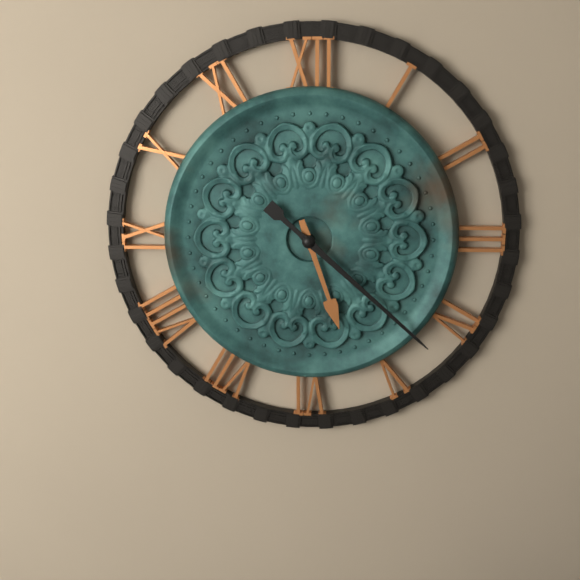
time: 5:22
